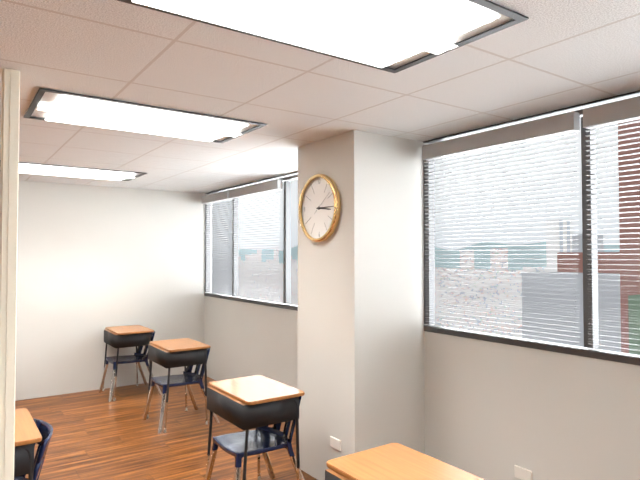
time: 3:15
